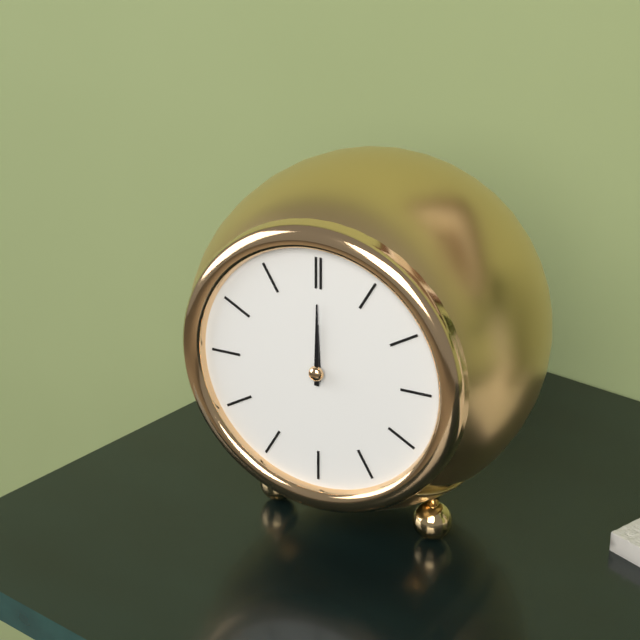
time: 12:00
